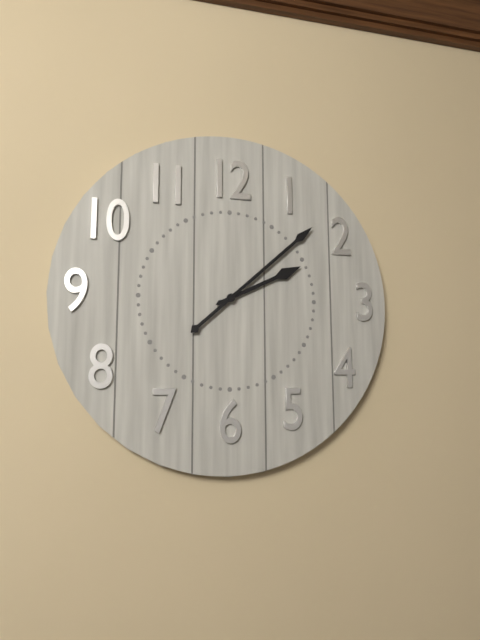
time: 2:08
